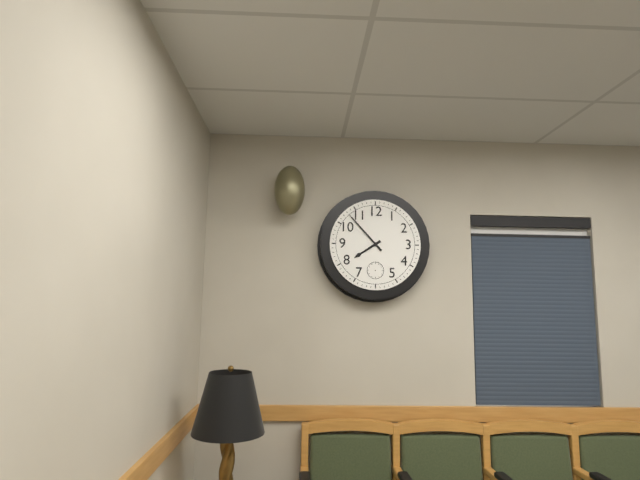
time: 7:53
